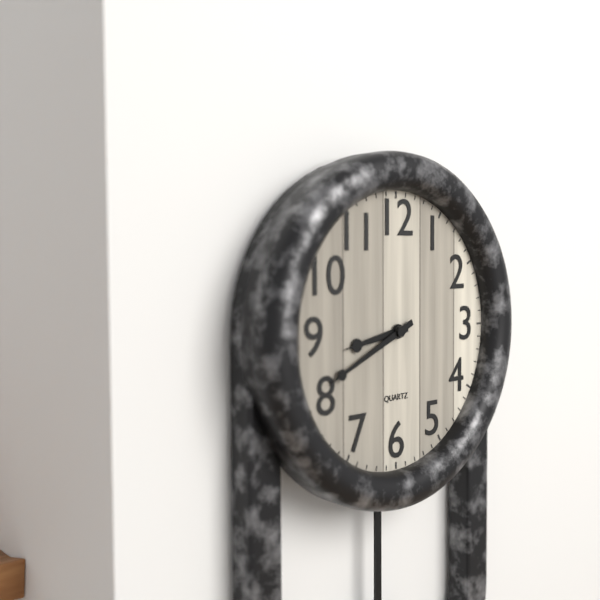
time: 8:41
